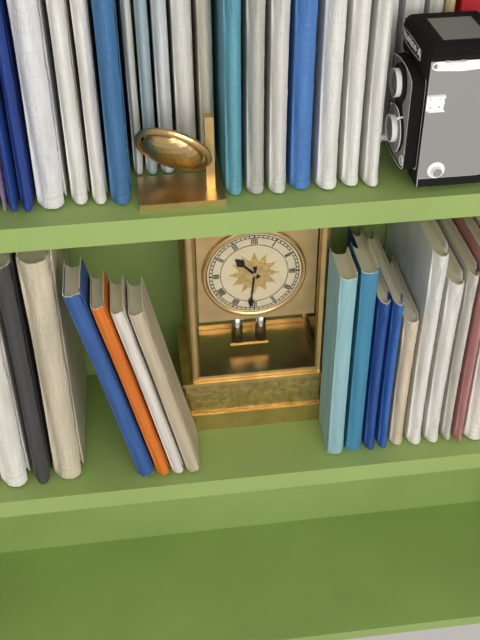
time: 10:31
